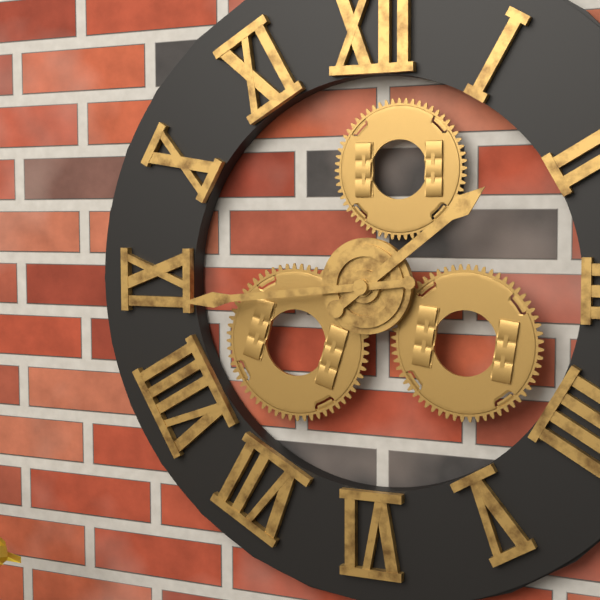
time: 1:44
